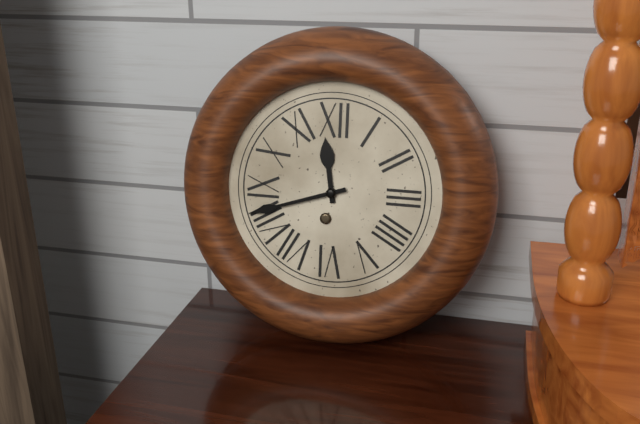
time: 11:42
